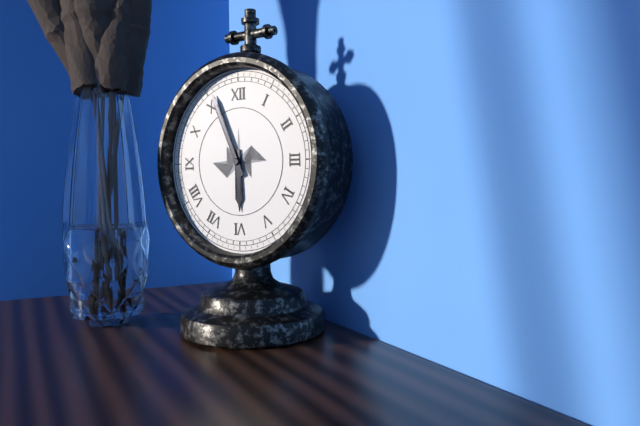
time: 5:56
